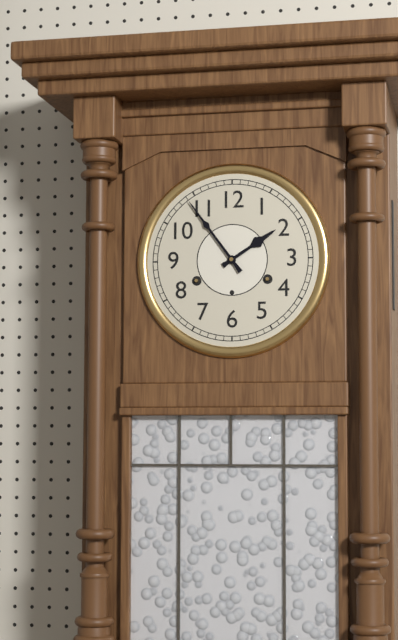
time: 1:54
